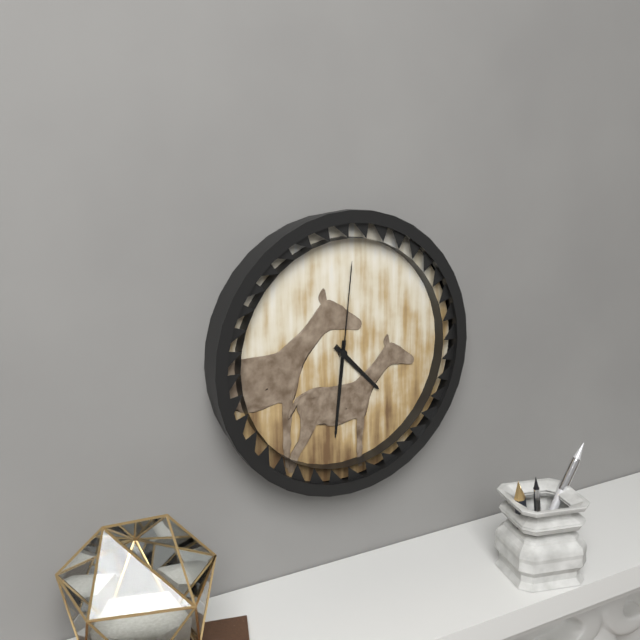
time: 4:31:01
